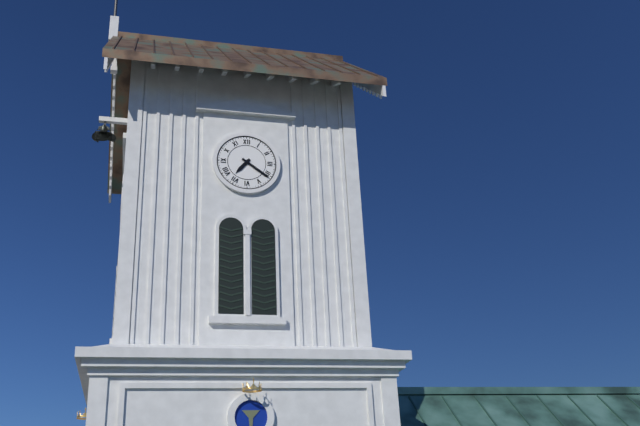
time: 7:21
